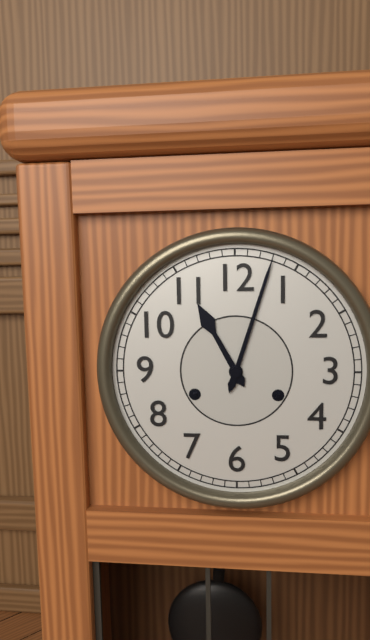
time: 11:03
